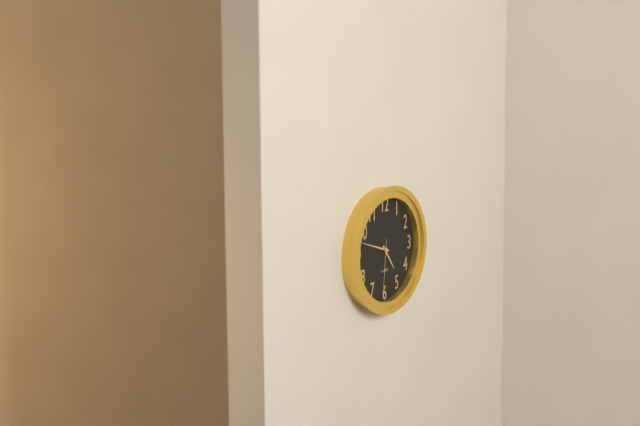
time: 4:48
